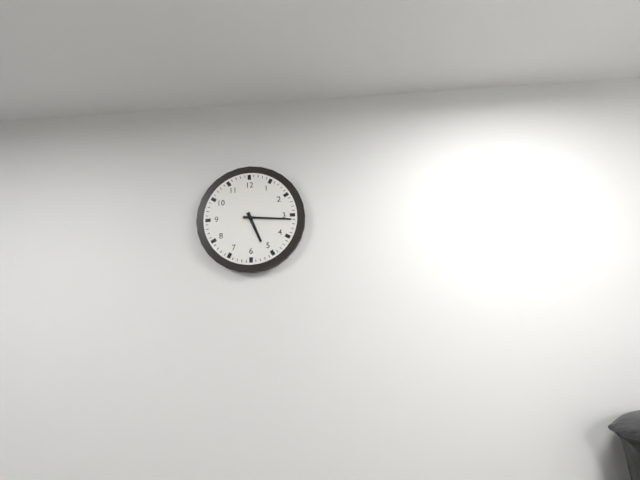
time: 5:16
